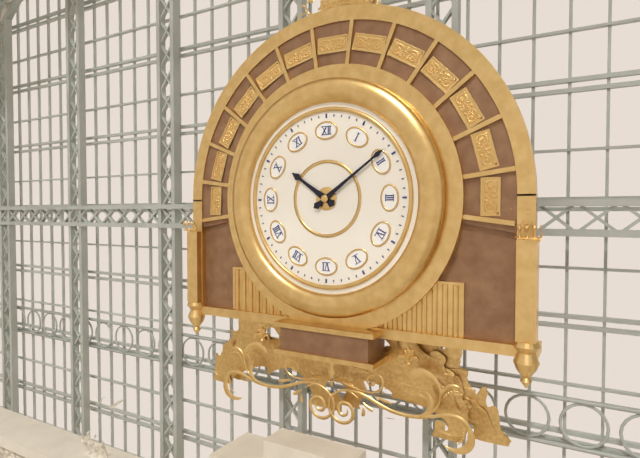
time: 10:09
